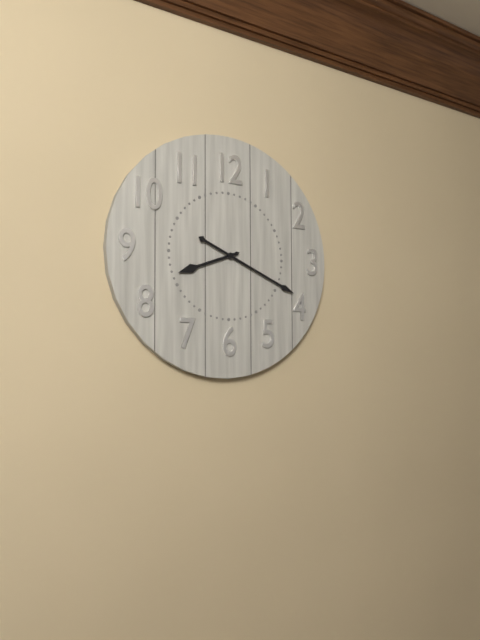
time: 8:19
